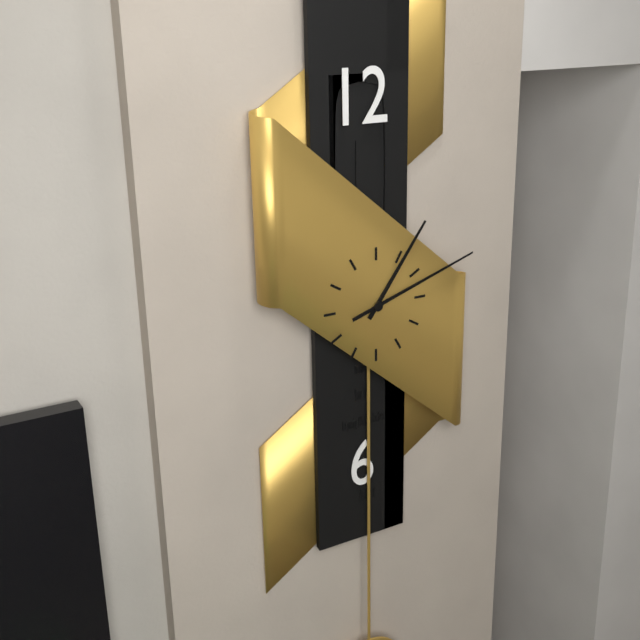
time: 1:12
